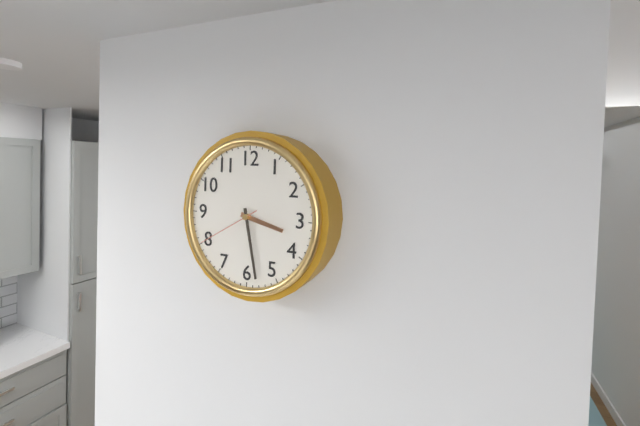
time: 3:28:40
